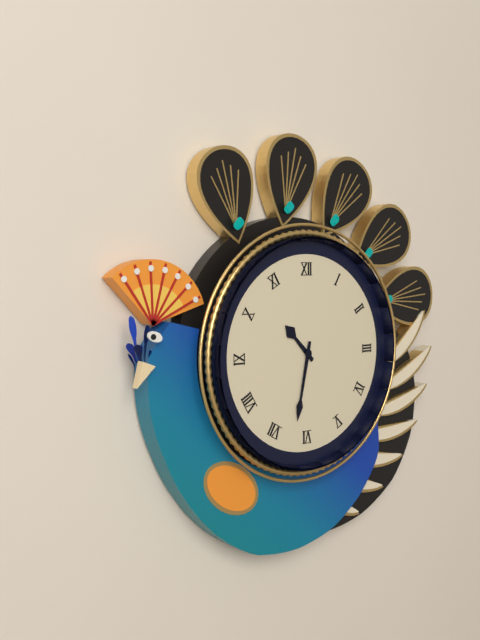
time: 10:32
